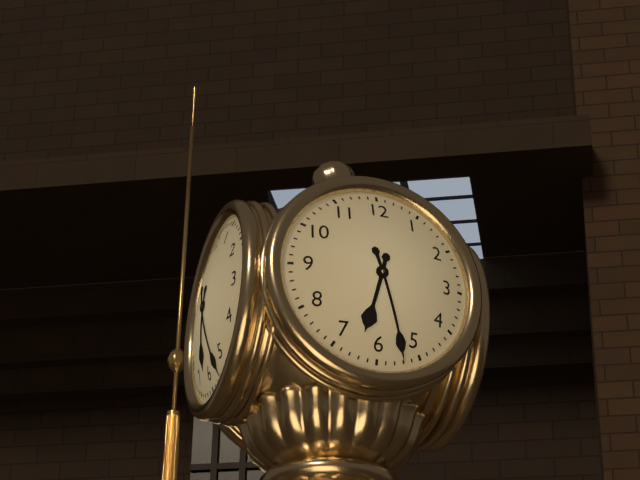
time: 6:27
